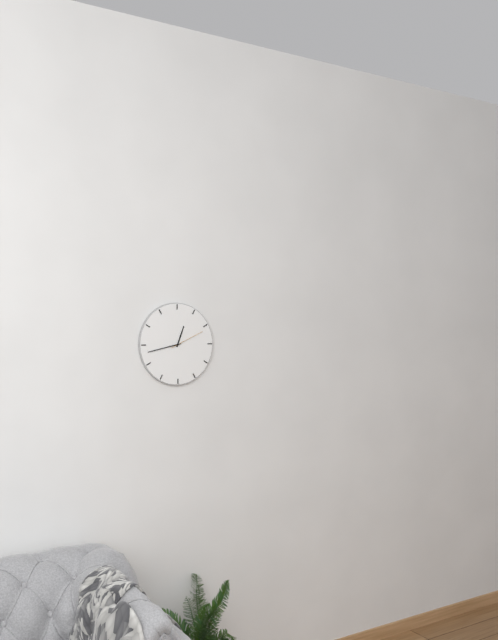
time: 12:43
